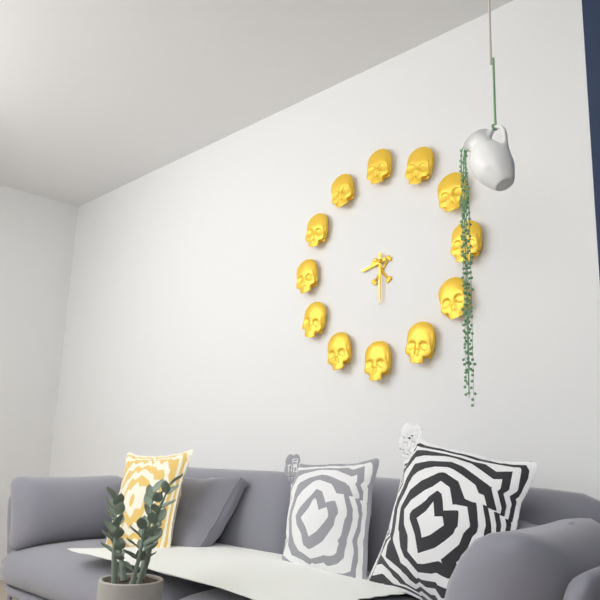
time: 8:30
